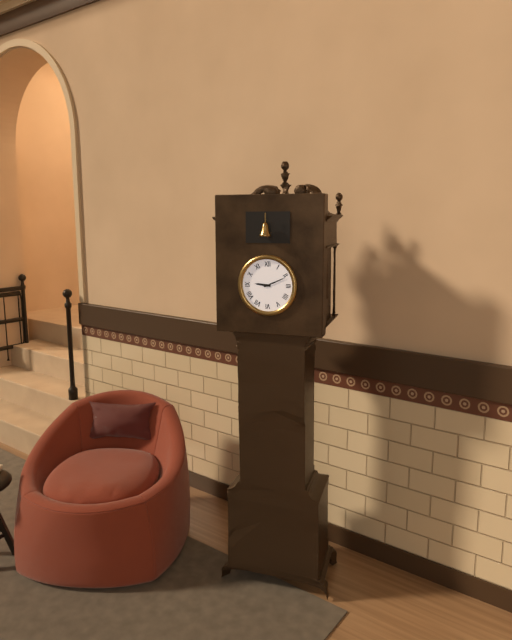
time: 9:11
